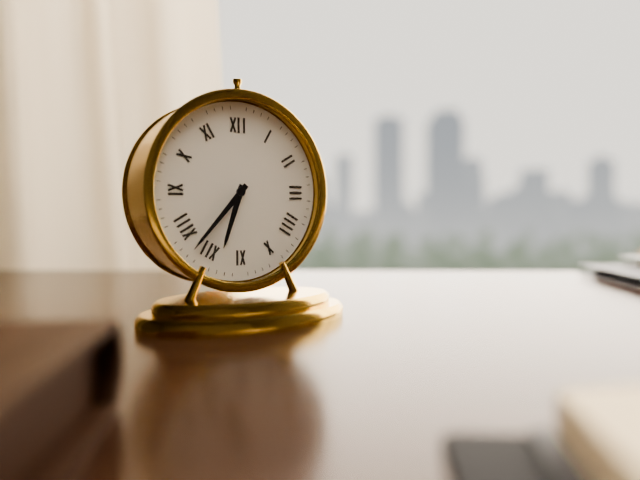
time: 6:37
